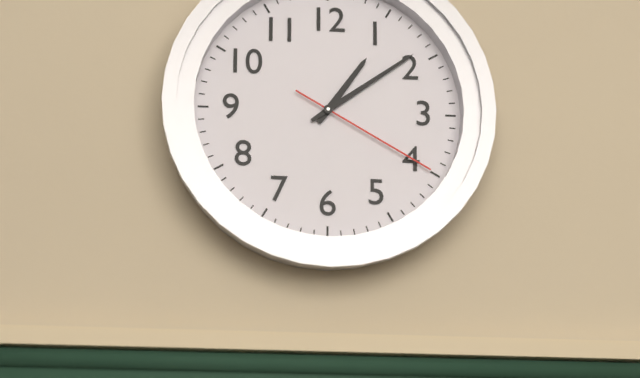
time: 1:09:20
